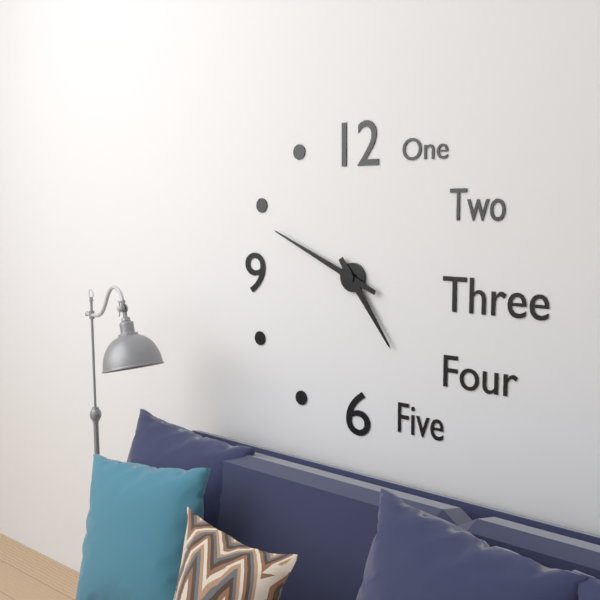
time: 4:49
